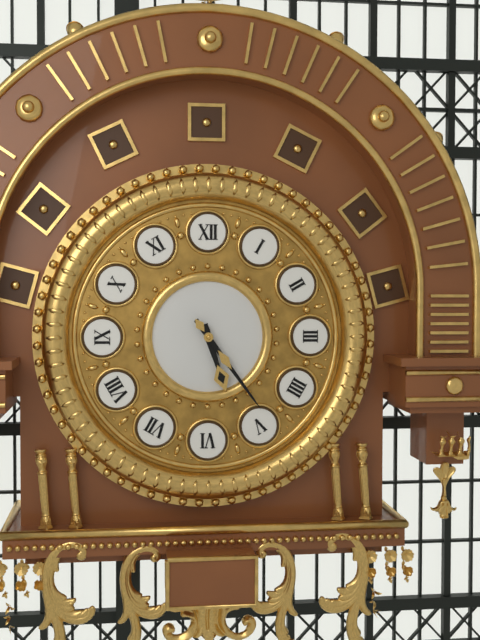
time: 5:24
